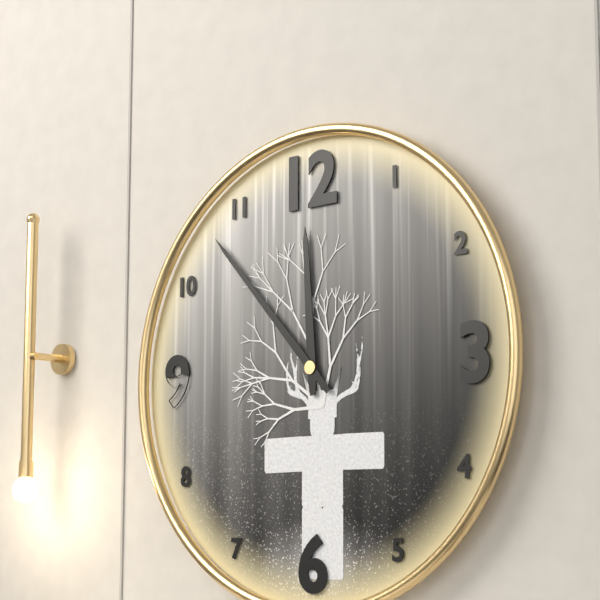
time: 11:53
